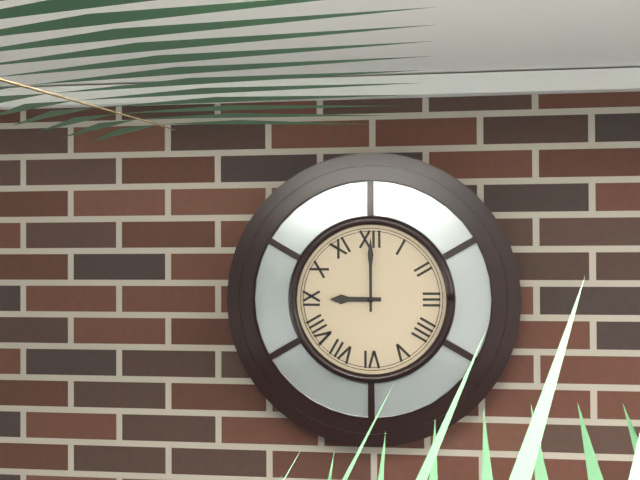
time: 9:00
